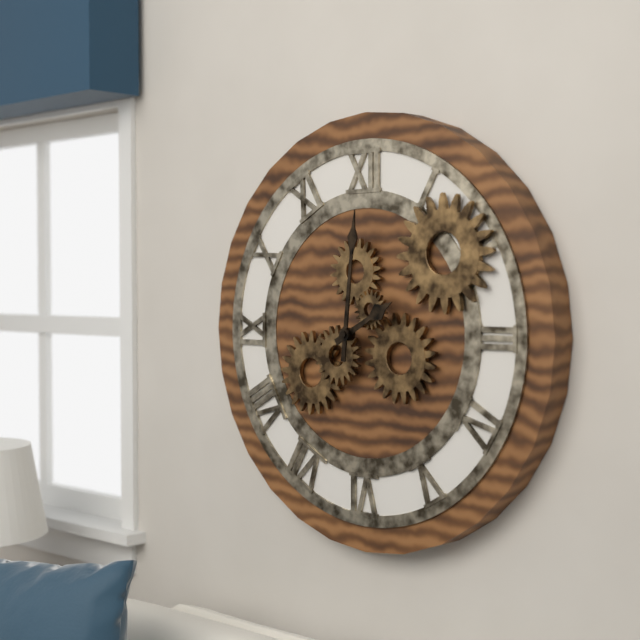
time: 2:01
